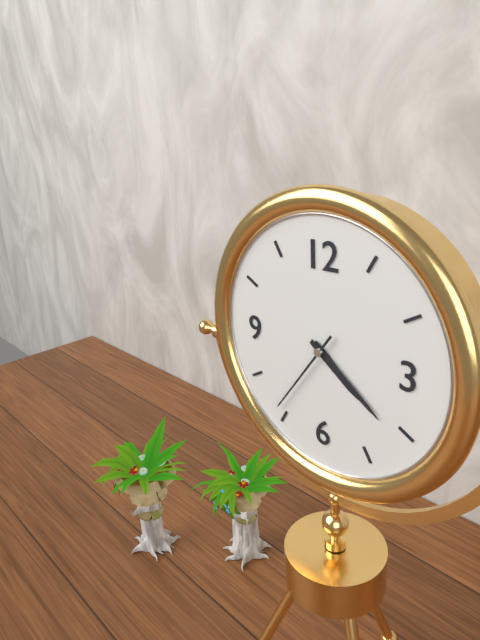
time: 4:21:36
